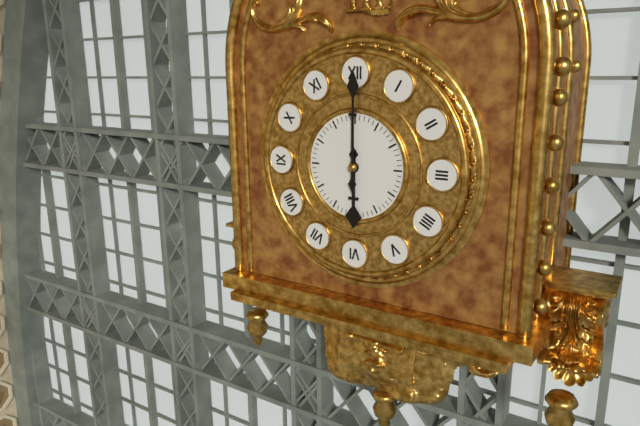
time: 6:00
